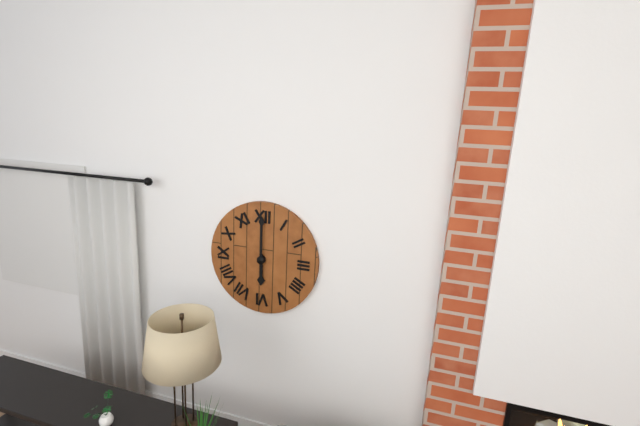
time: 6:00
